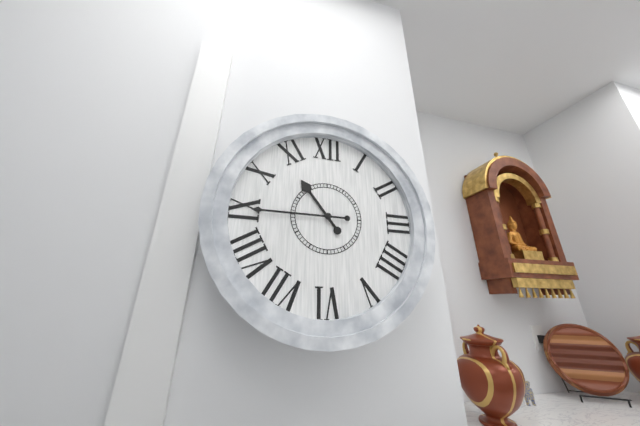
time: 10:45
